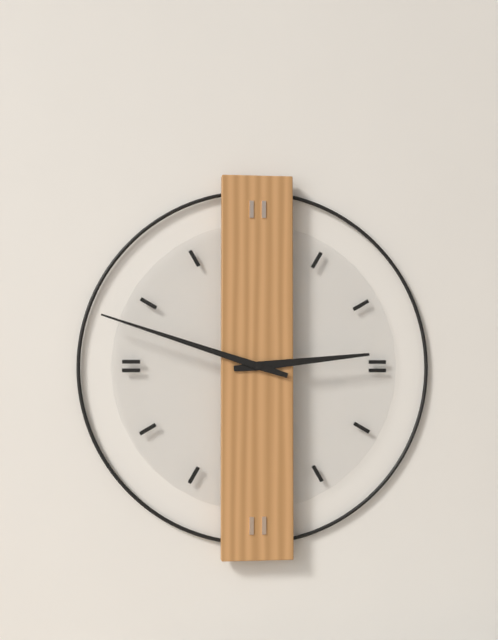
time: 2:48
